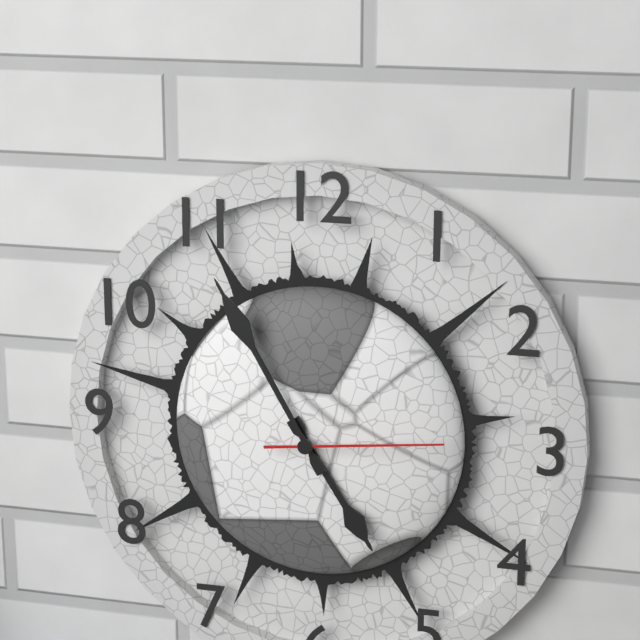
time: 4:55:14
